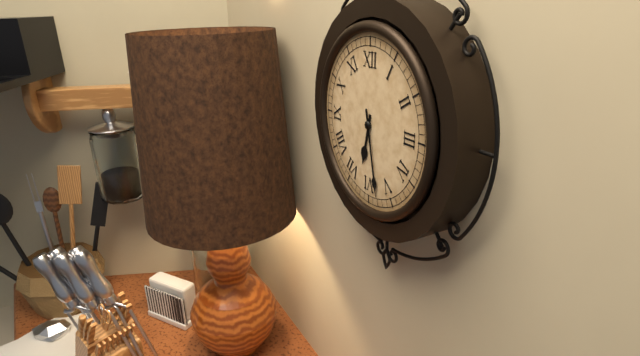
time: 6:28
